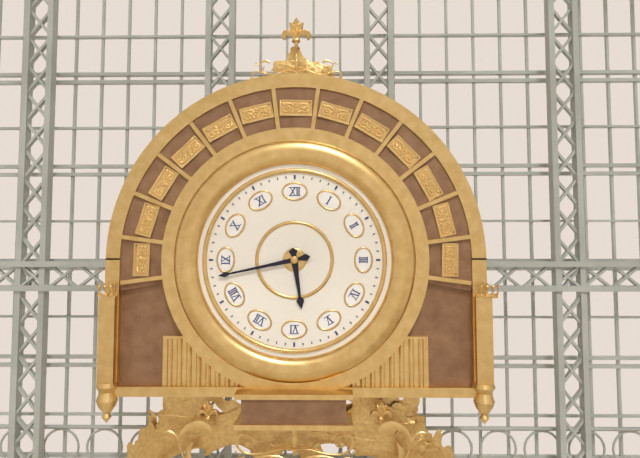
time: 5:43
